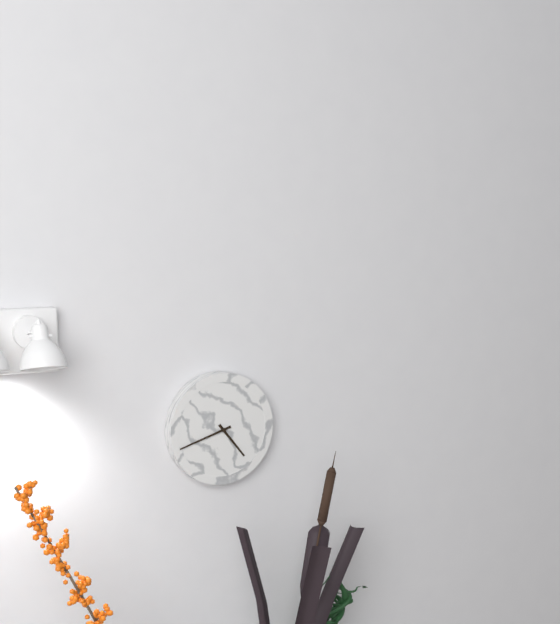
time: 4:42
